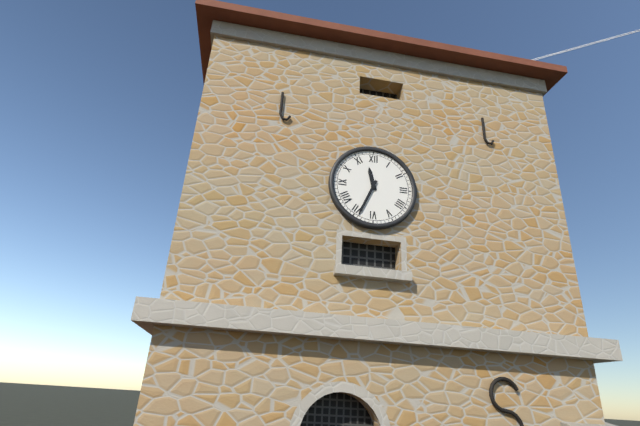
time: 11:34
